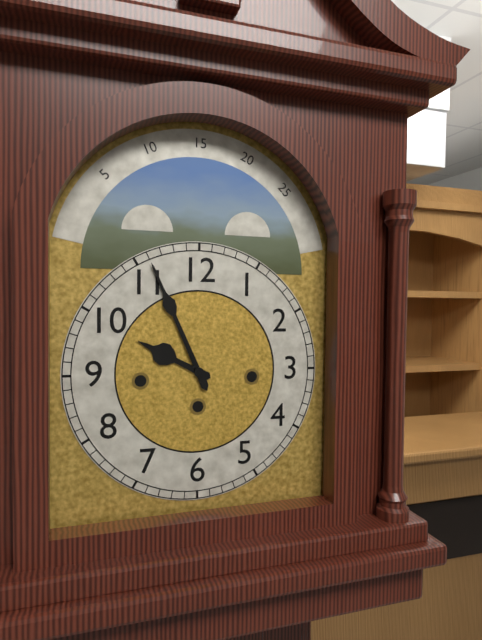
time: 9:56
